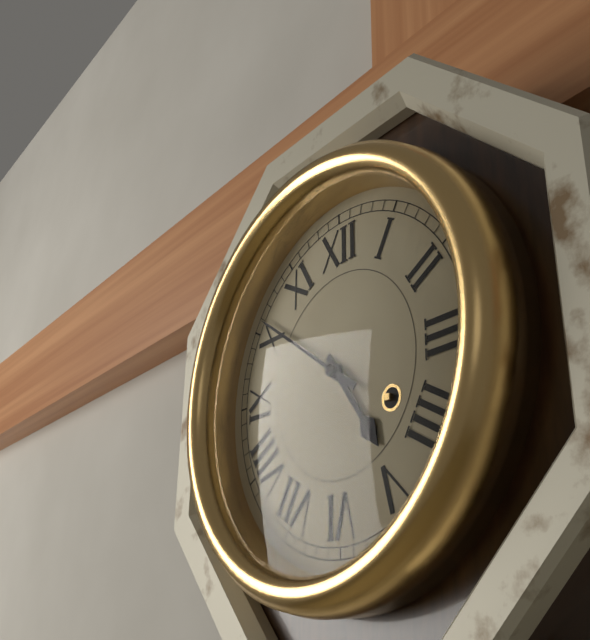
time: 4:51
